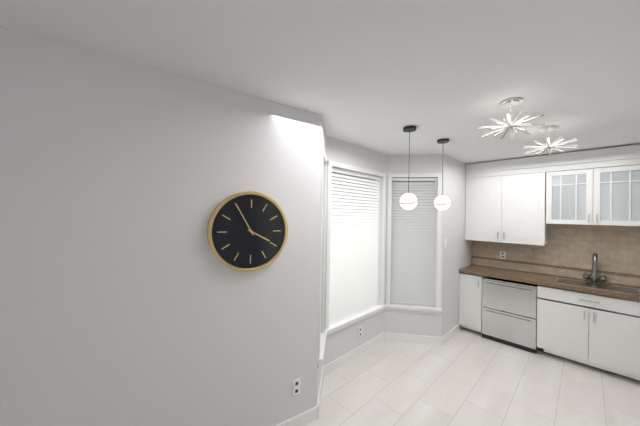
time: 3:55
